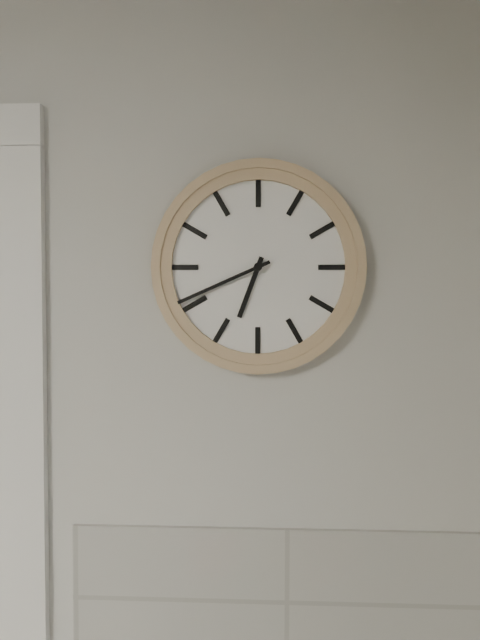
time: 6:41
